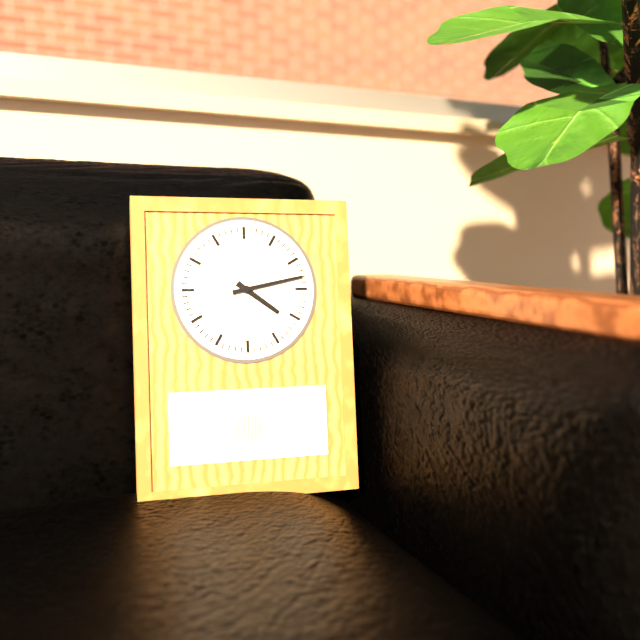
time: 4:13
